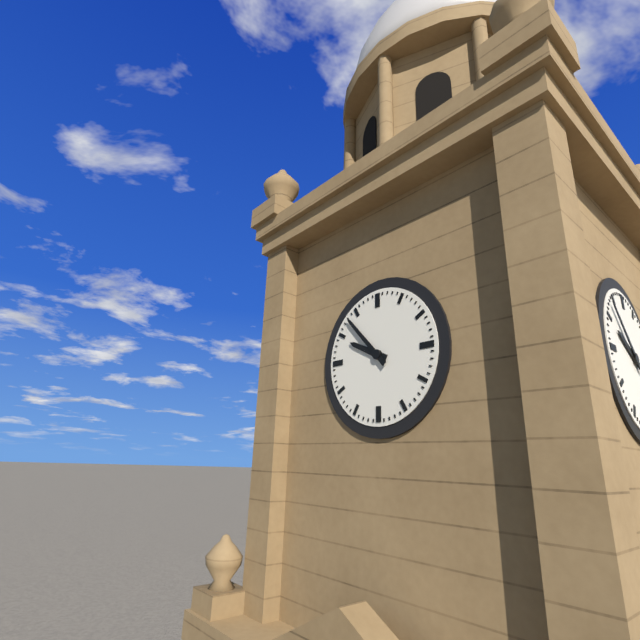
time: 9:53
